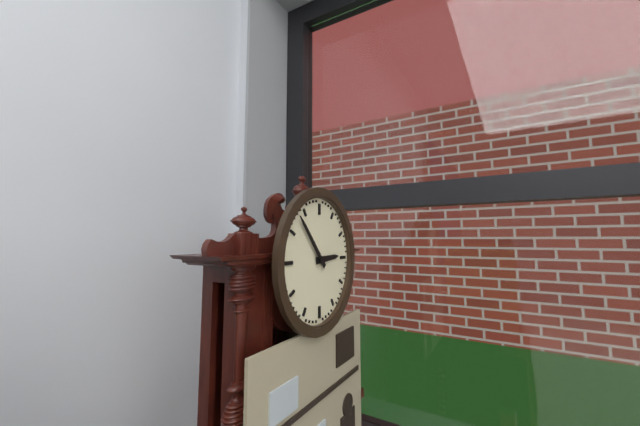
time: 2:53
